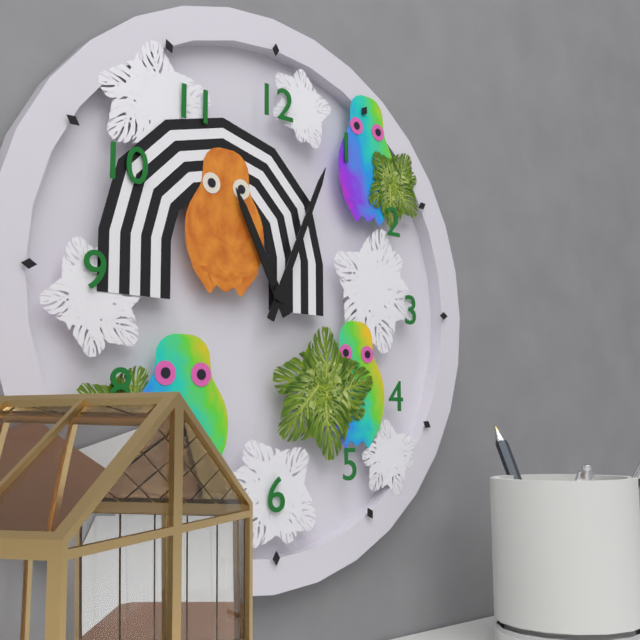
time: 11:04
